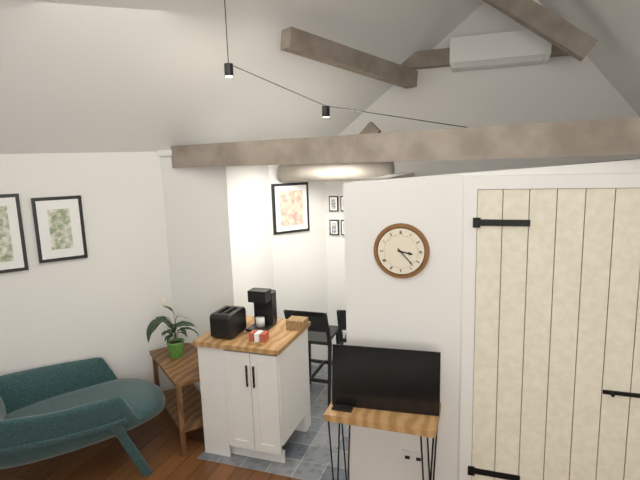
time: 3:23
